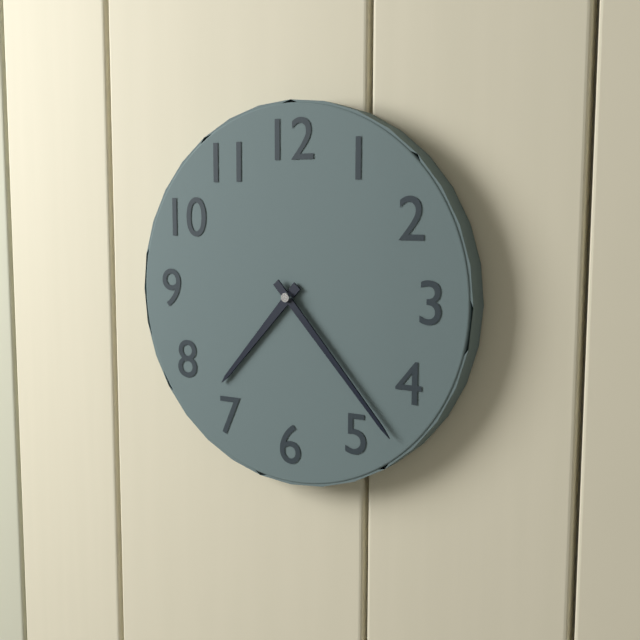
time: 7:23
